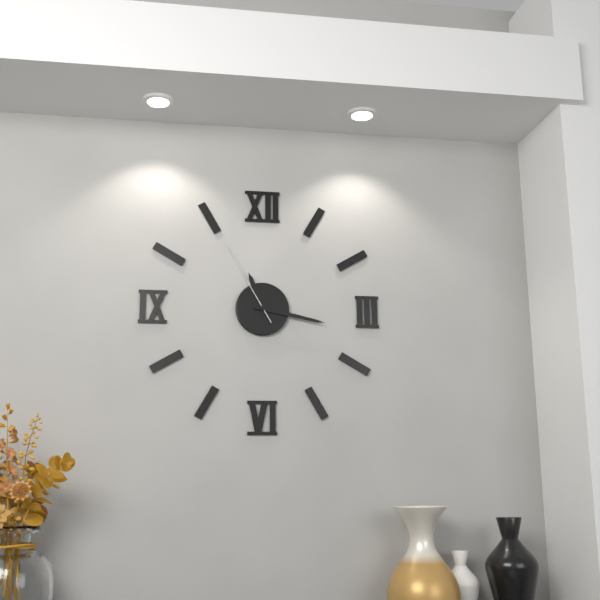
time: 11:17:55
